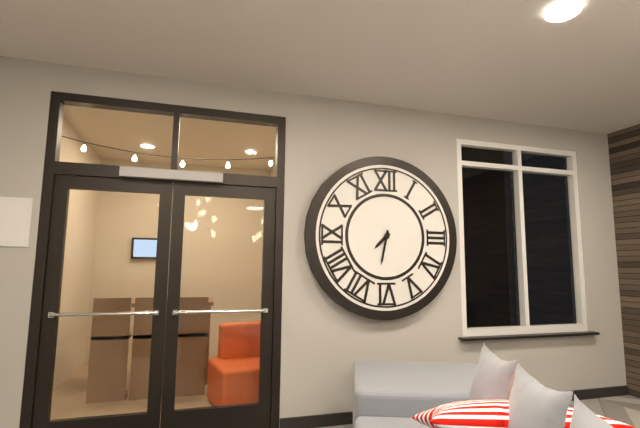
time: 7:32
